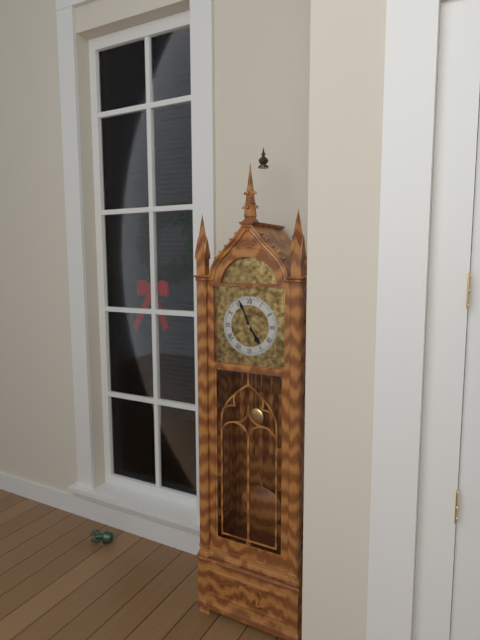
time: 4:56
